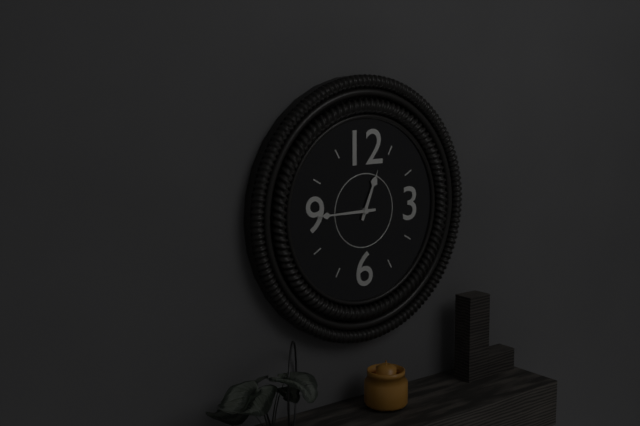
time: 12:45
